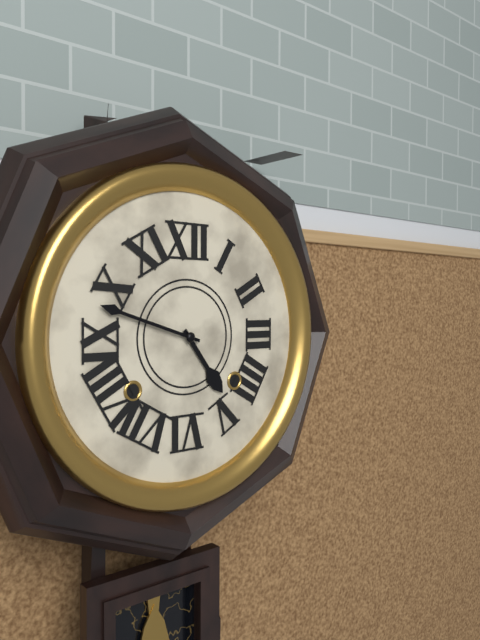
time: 4:48
